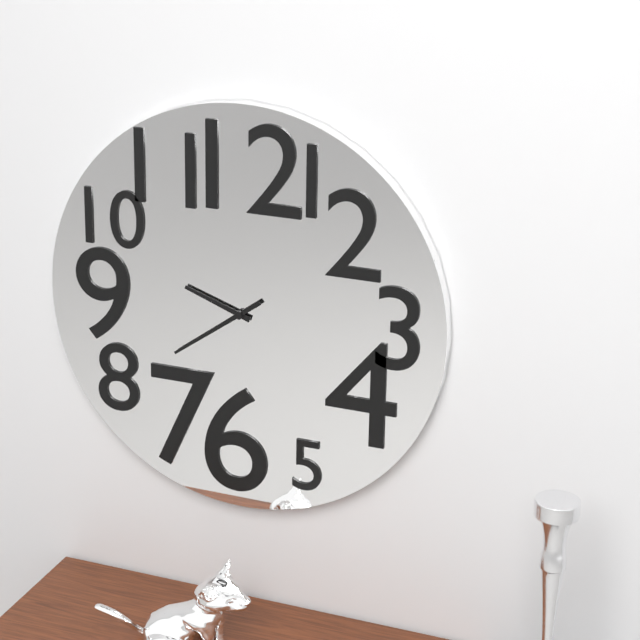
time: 9:39
